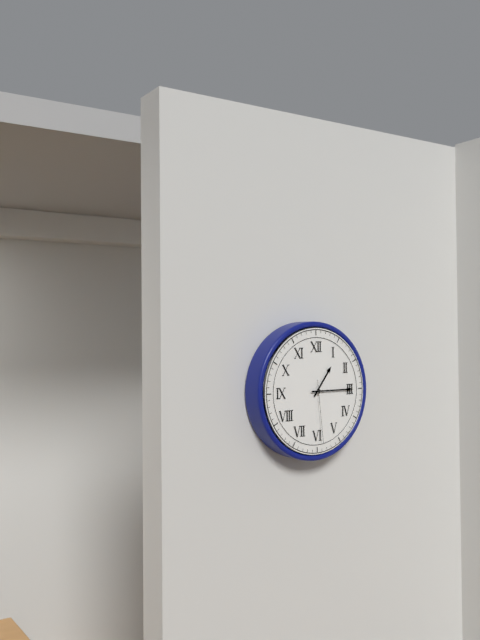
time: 1:15:29
